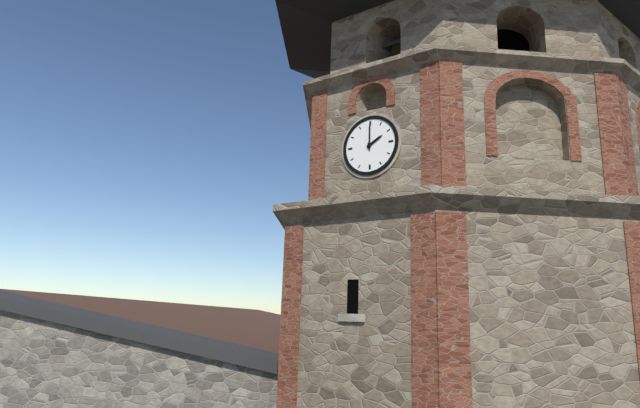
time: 2:00
